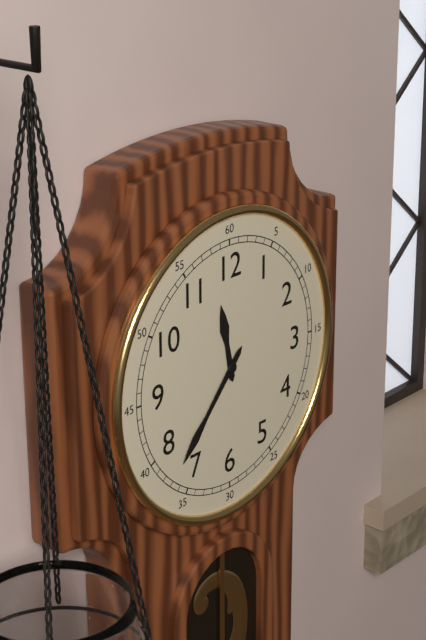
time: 11:37
